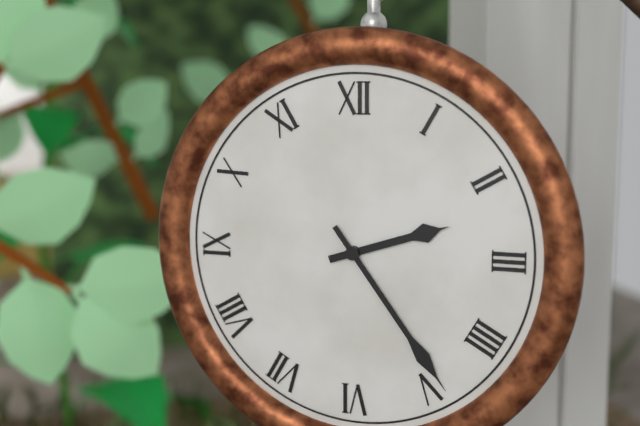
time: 2:24
